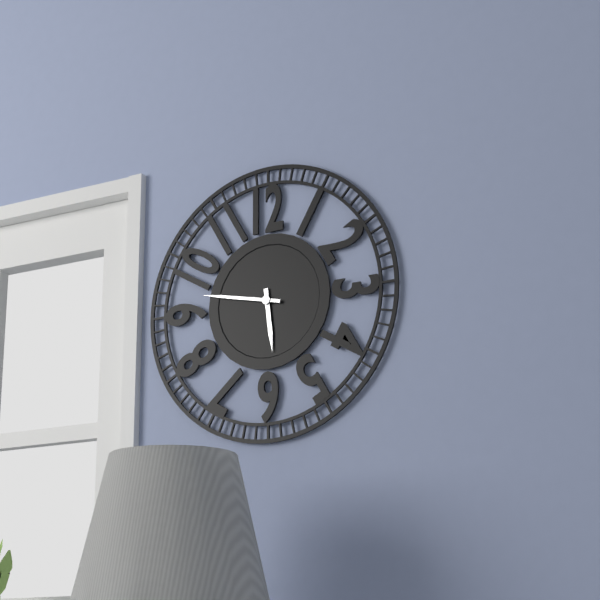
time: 5:47
